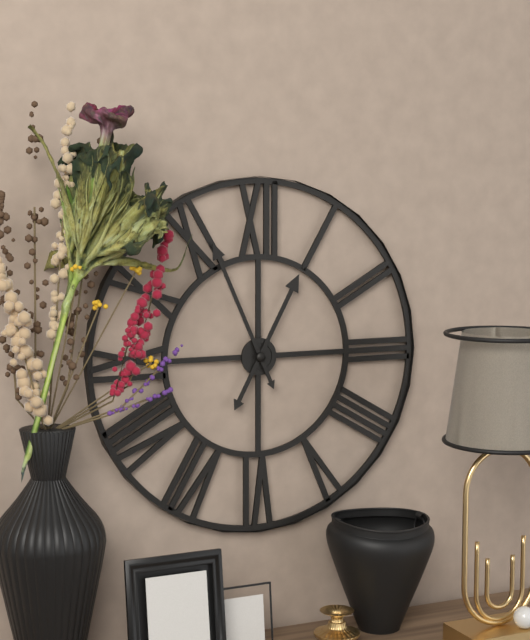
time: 12:56
